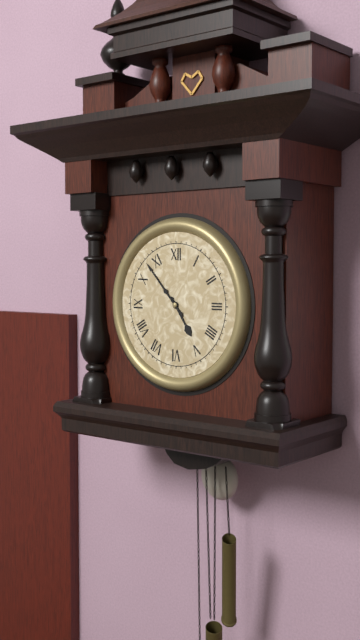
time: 4:53
